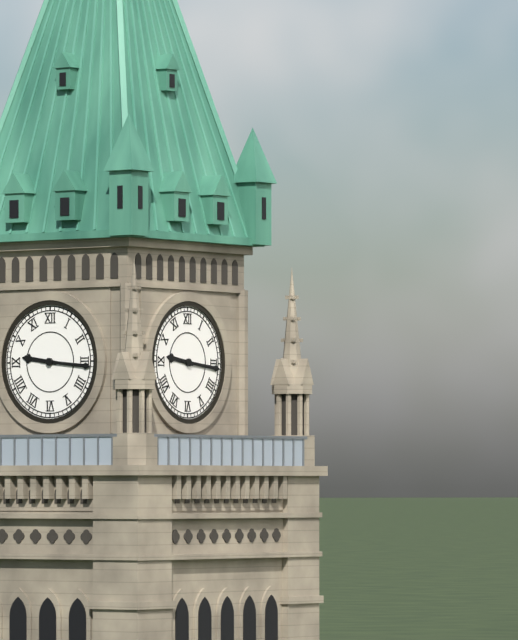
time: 9:16
